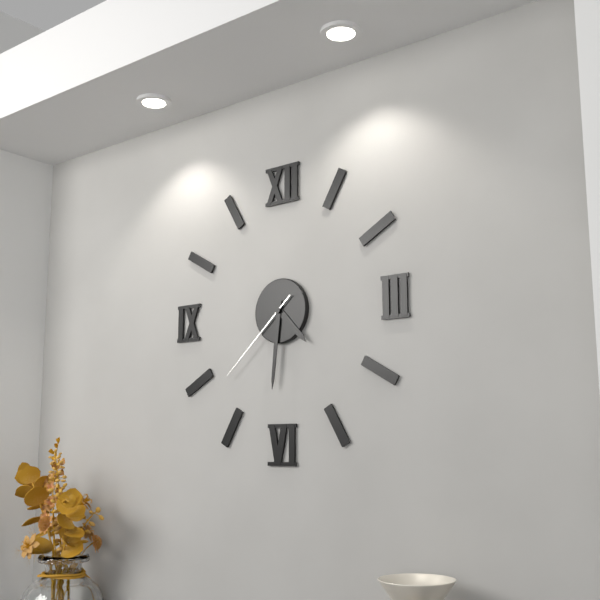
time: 4:31:38
